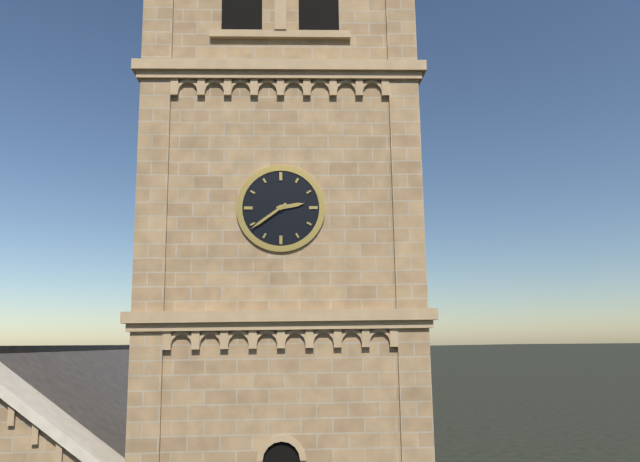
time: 2:39
